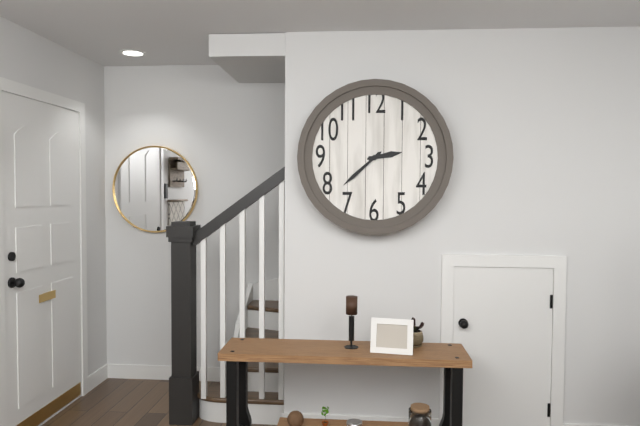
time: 2:38
